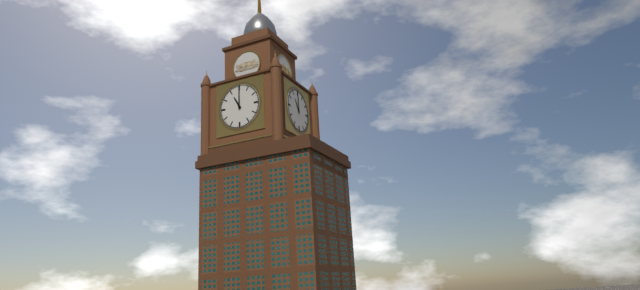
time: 11:00
